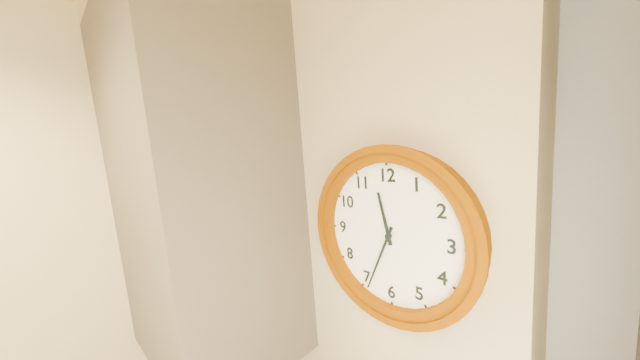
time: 11:34
